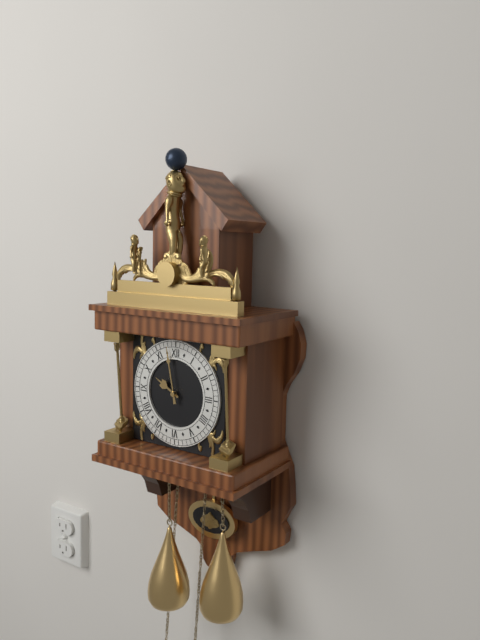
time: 9:58
